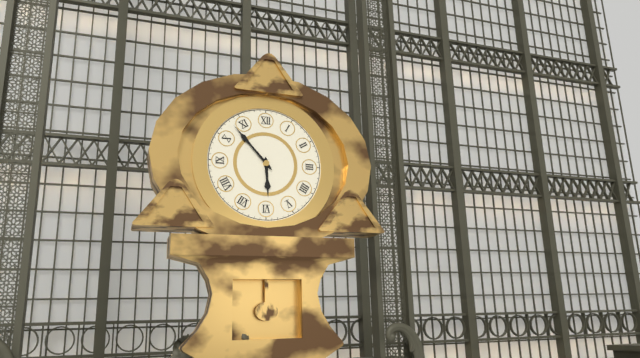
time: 5:53
